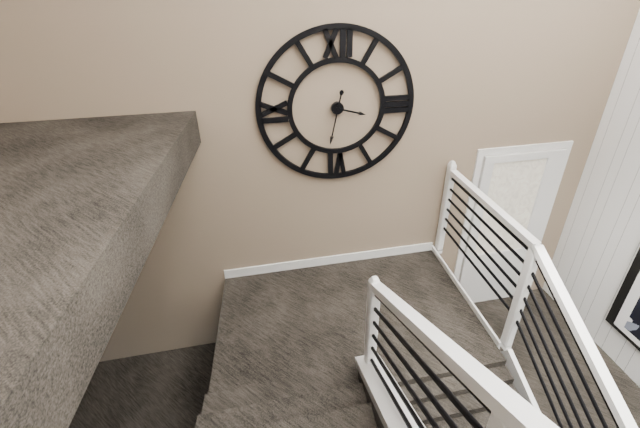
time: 3:32
